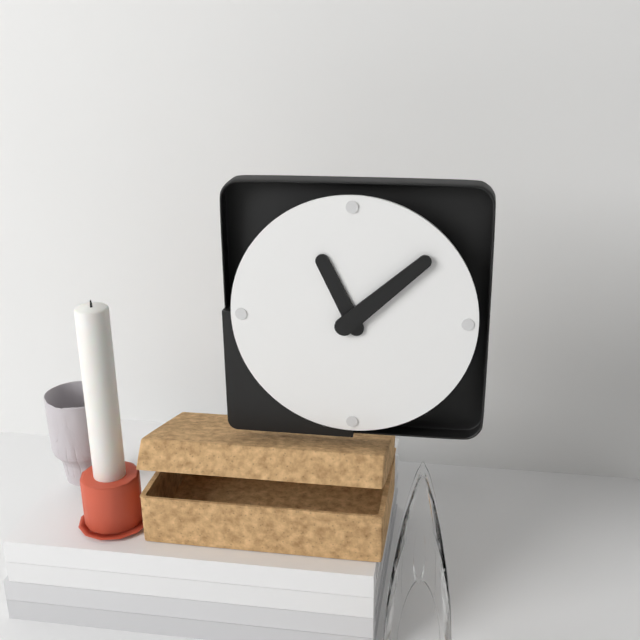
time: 11:08
